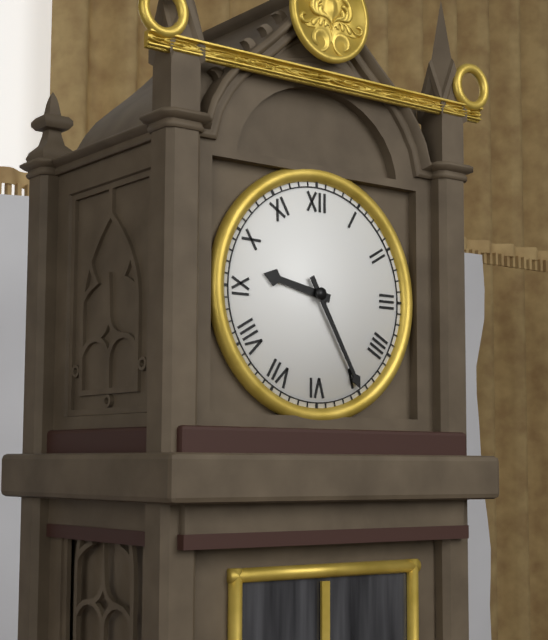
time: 9:25
